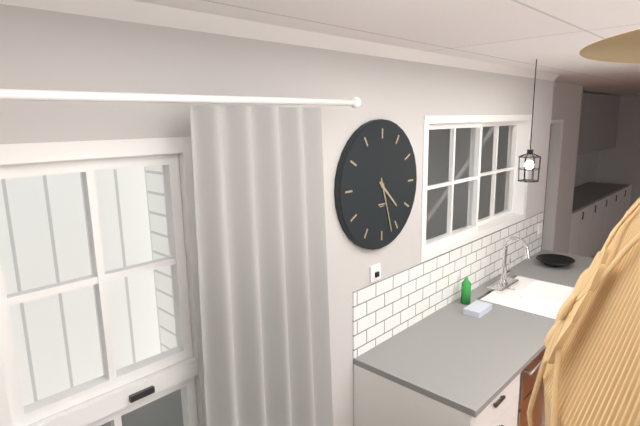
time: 4:27
